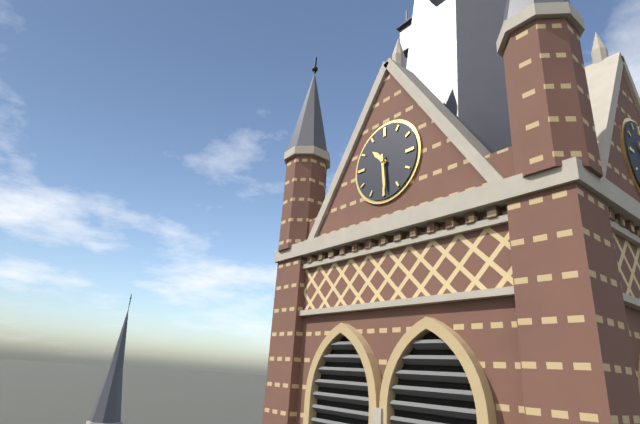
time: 10:29
